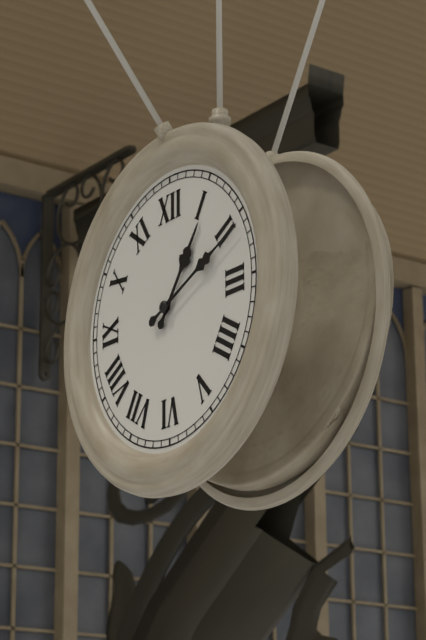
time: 1:11
